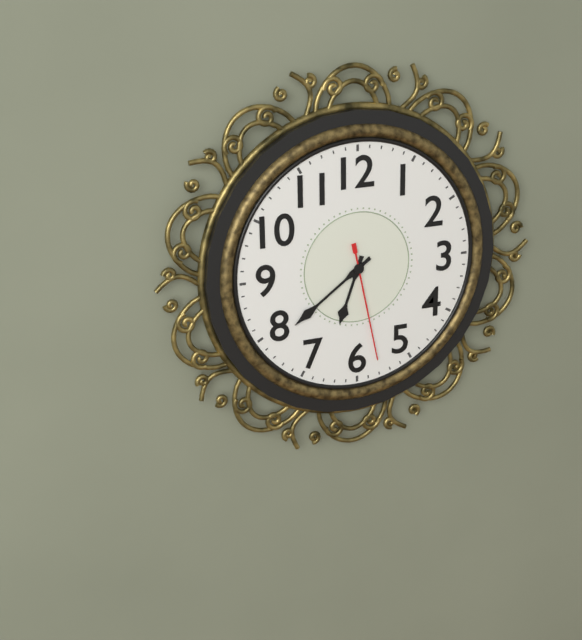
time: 6:39:28
